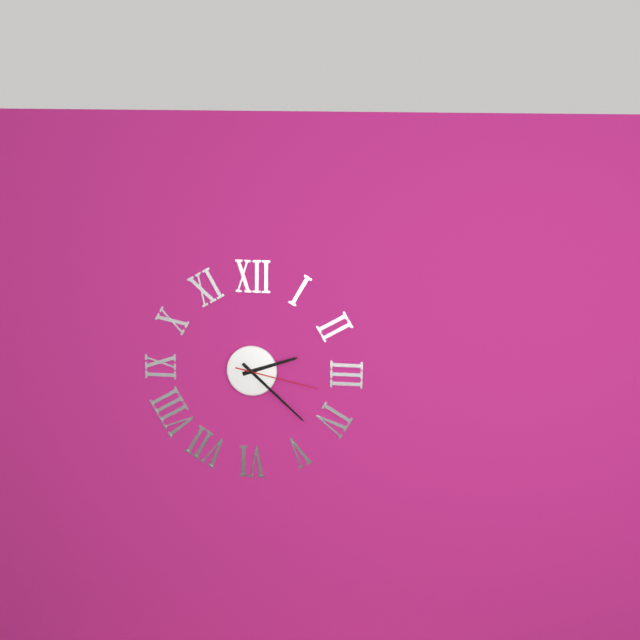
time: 2:22:17
